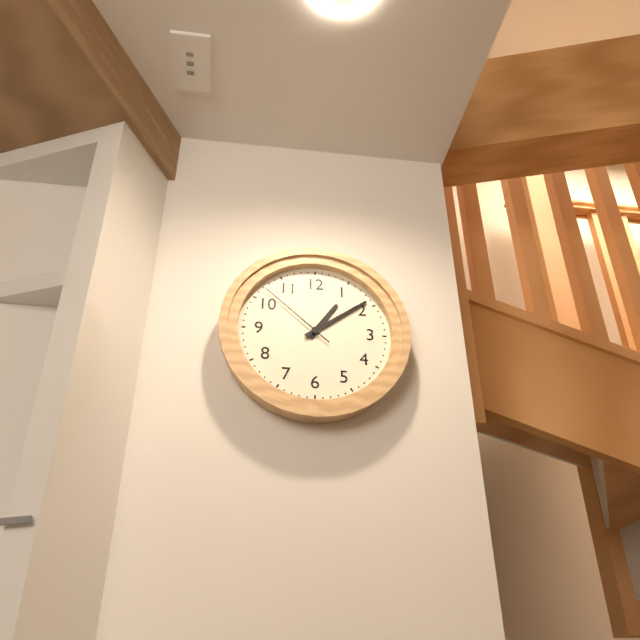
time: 1:09:52
